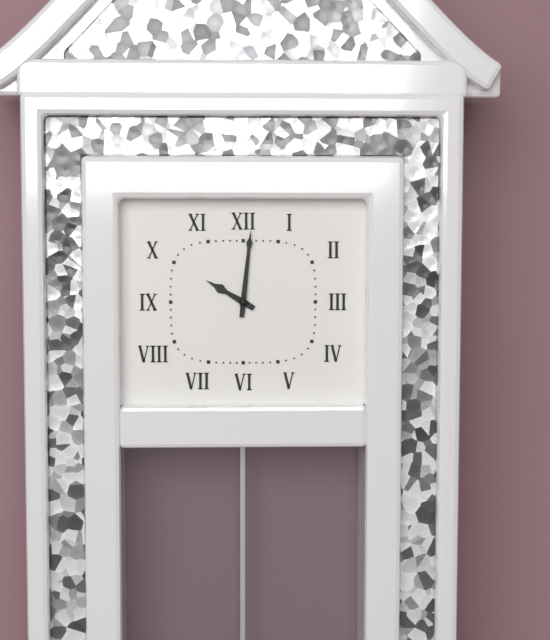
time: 10:01
